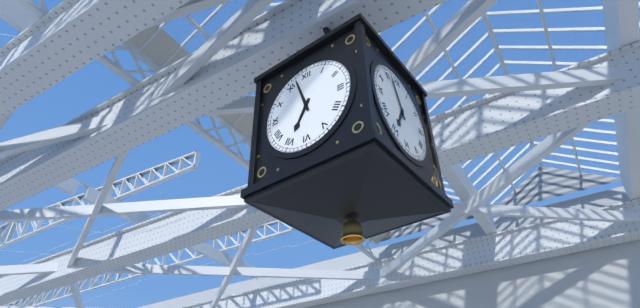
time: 6:57
